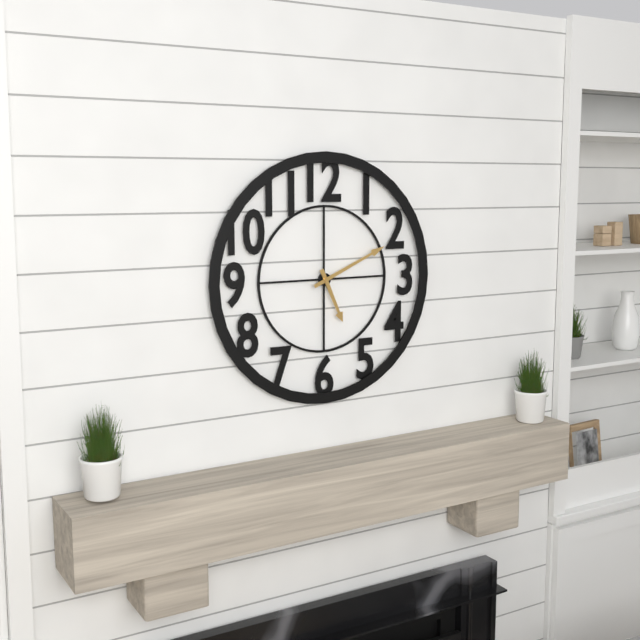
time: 5:11
